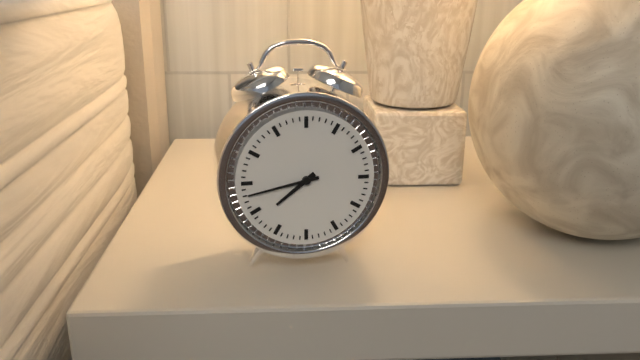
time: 7:43
